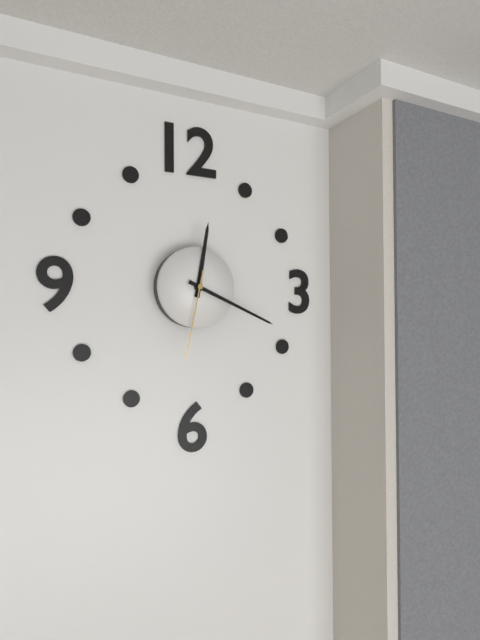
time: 12:19:32
